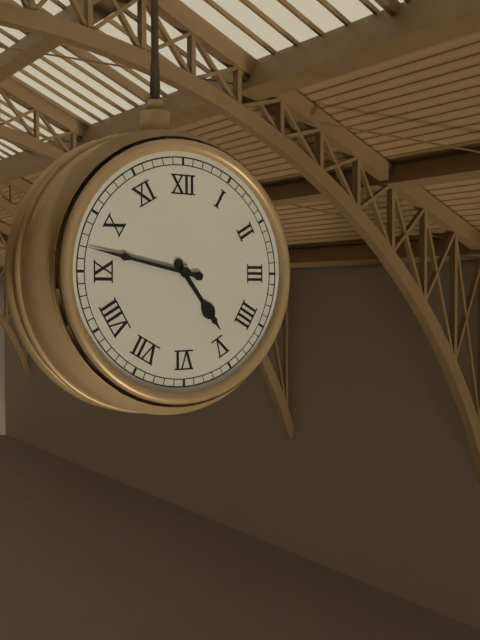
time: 4:47
